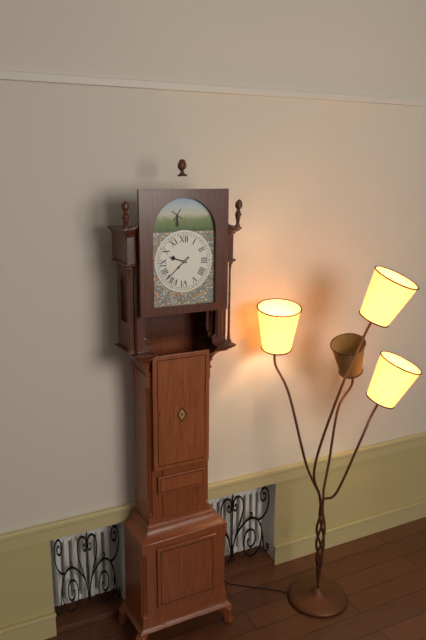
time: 9:38
